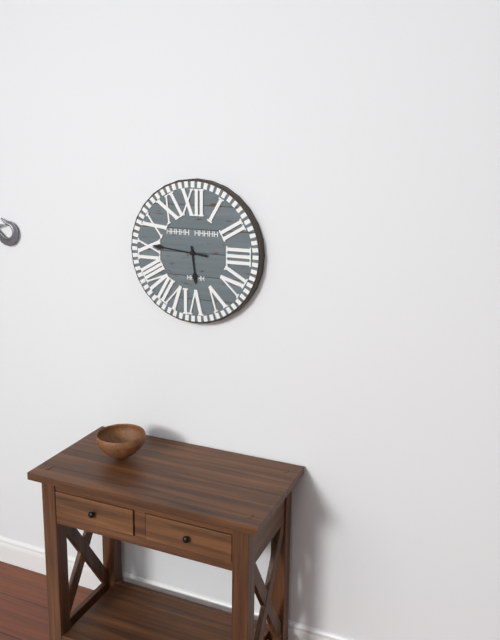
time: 5:46
